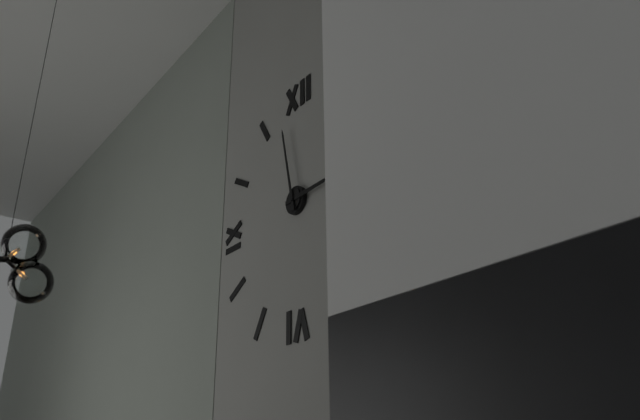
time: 2:58
